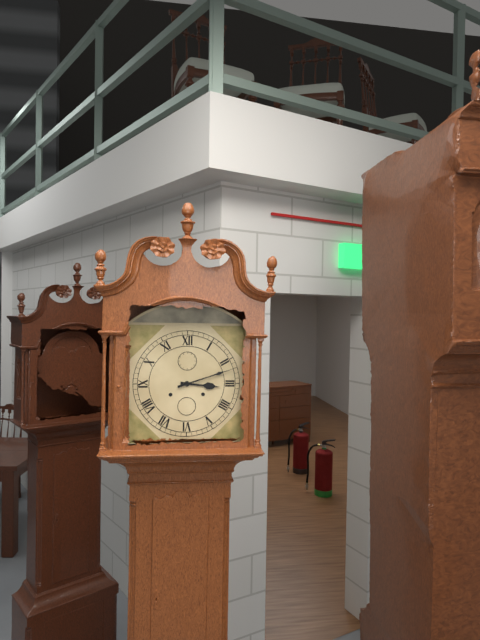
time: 3:12
